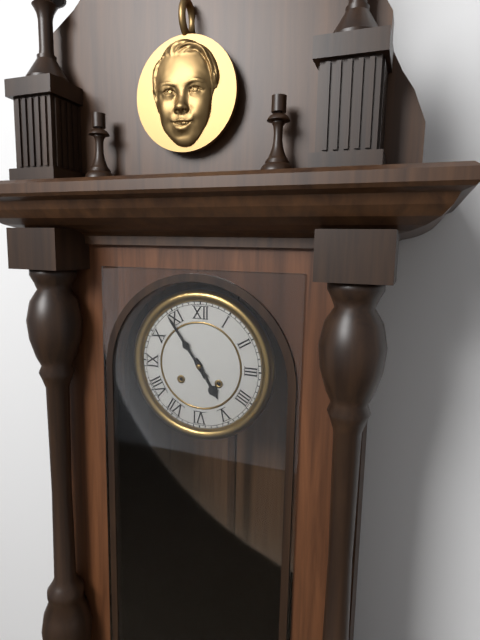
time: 4:54
